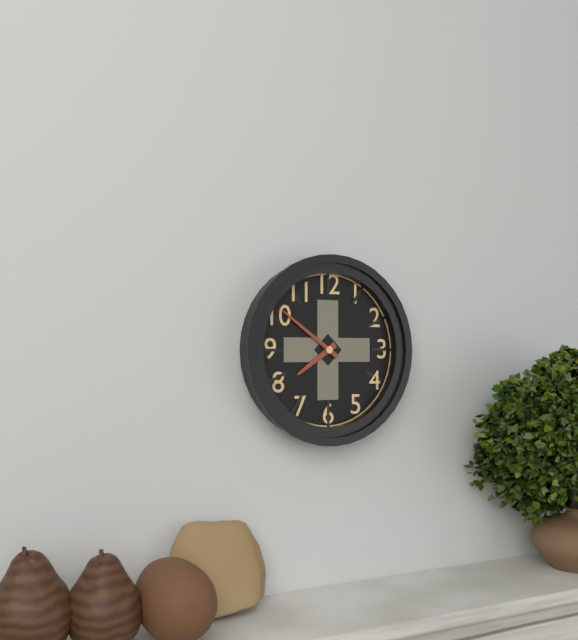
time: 7:51
